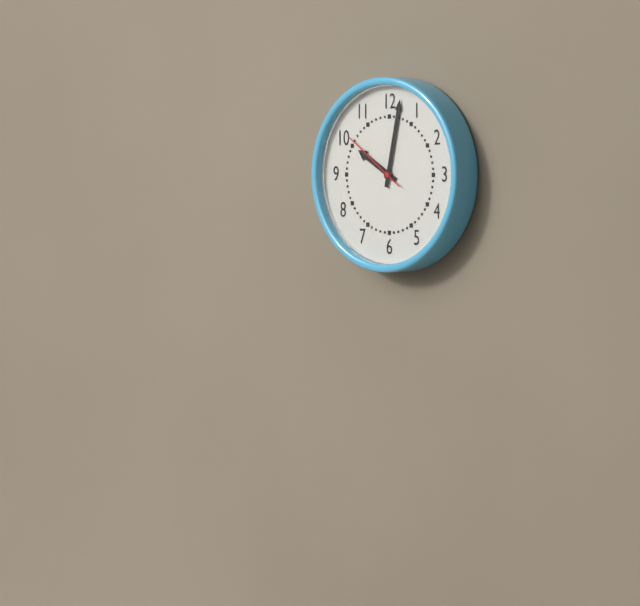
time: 10:02:51
